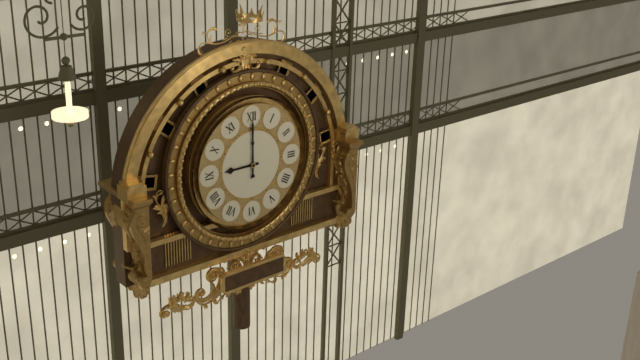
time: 9:00
